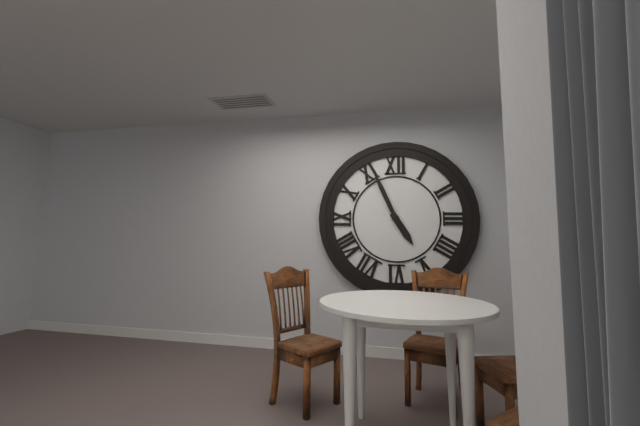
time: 4:56
